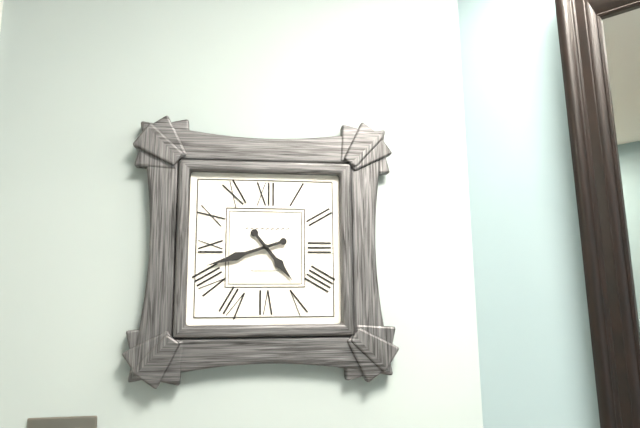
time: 4:42
